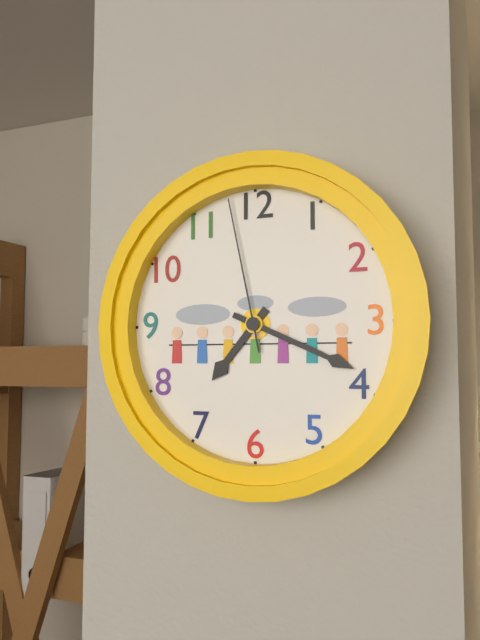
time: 7:19:58
